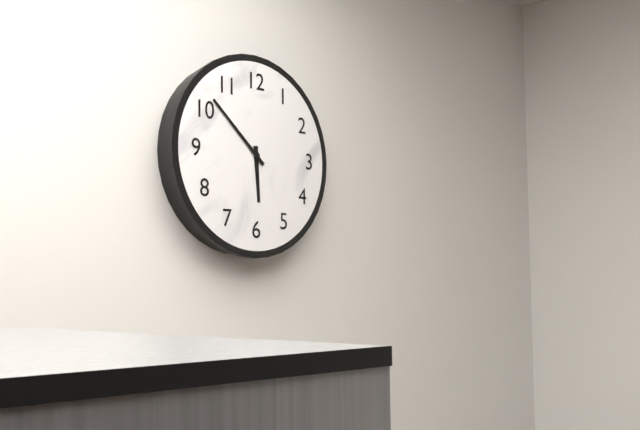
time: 5:52
